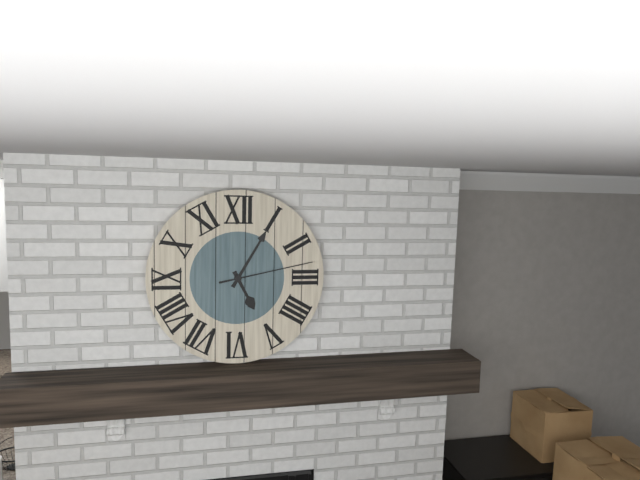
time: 5:05:13
